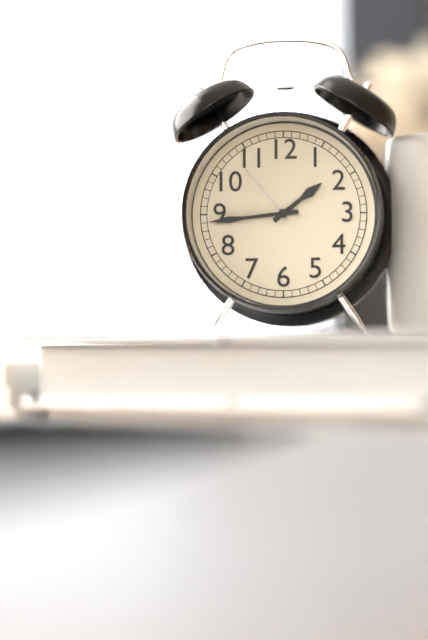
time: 1:44
